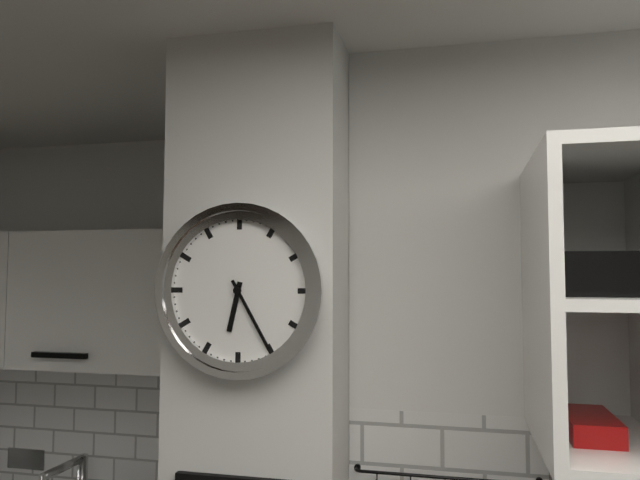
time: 6:25
